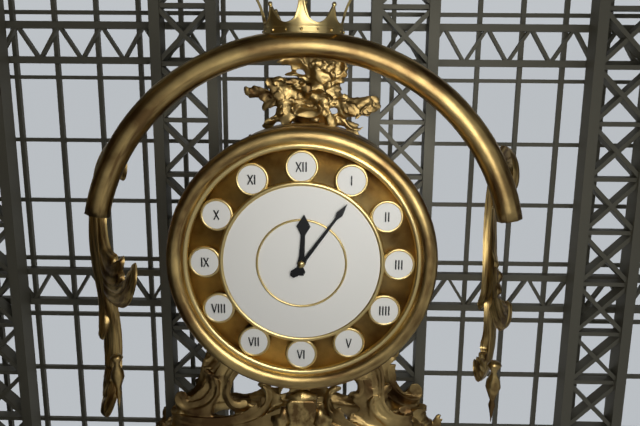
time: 12:06
